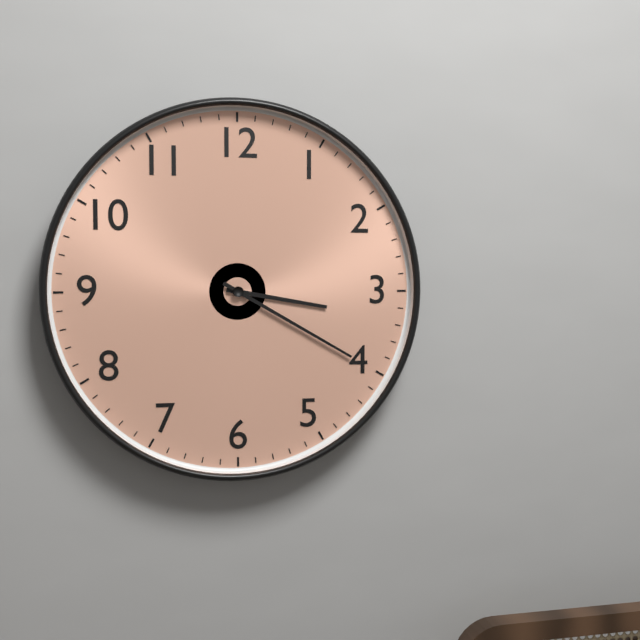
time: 3:20
